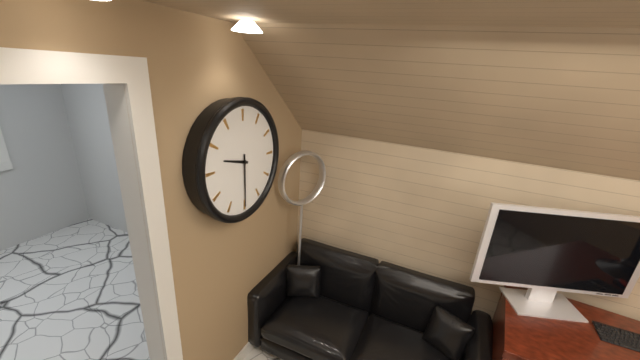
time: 9:30
